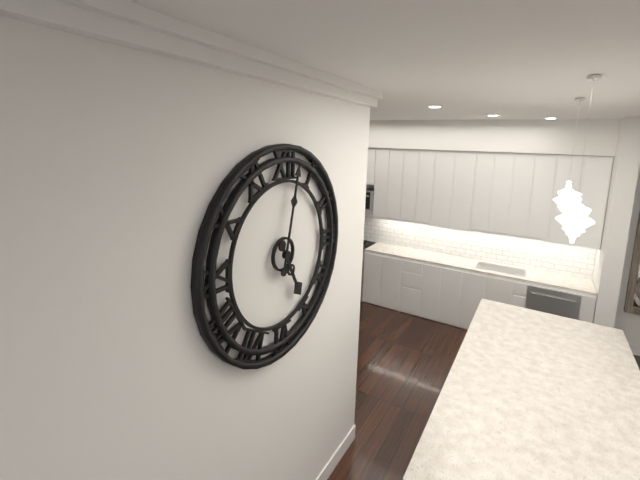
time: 5:02
